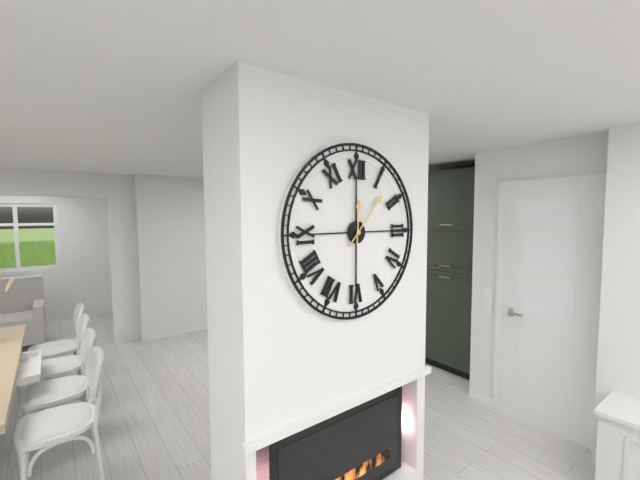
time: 12:07
